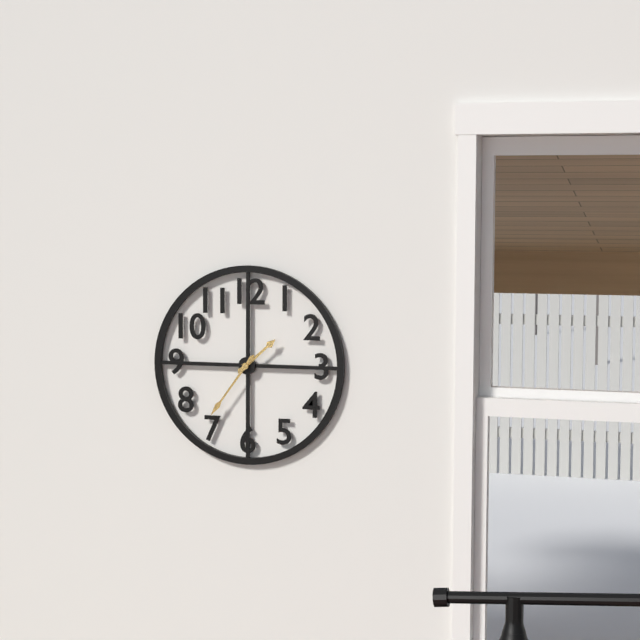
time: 1:36
